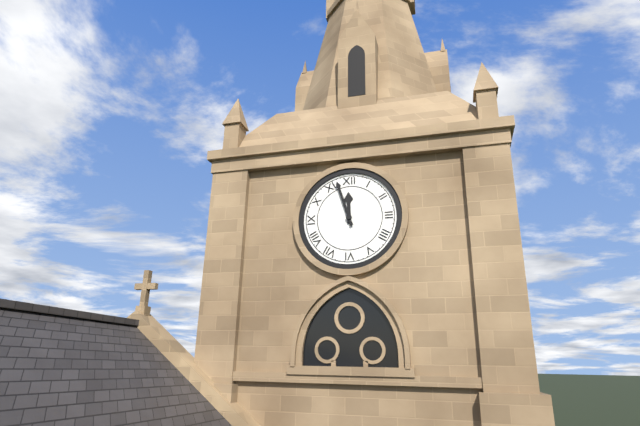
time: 11:57
